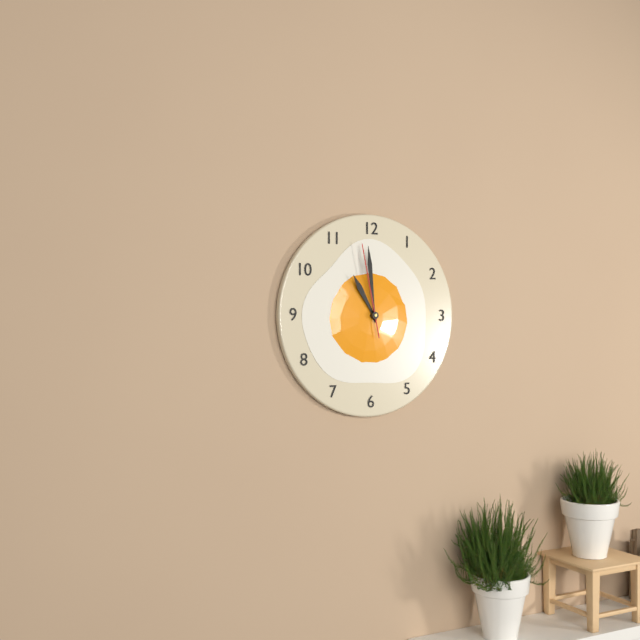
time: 10:59:58
